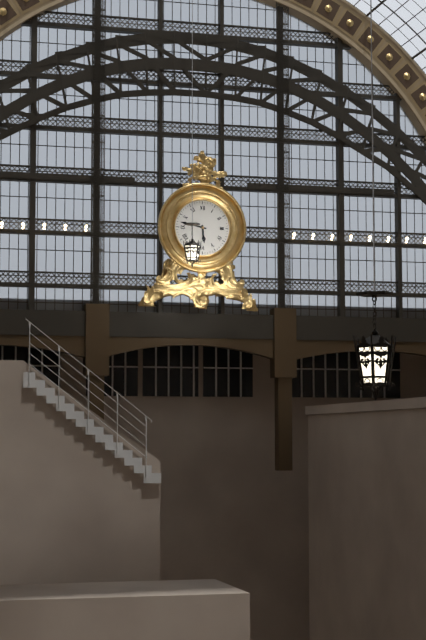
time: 5:47
